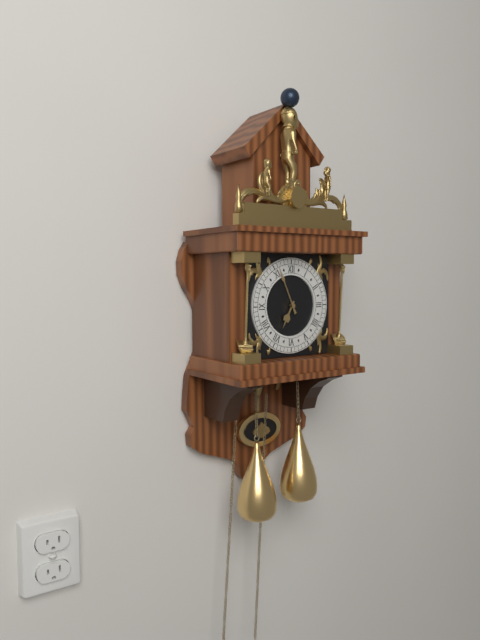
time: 6:56
